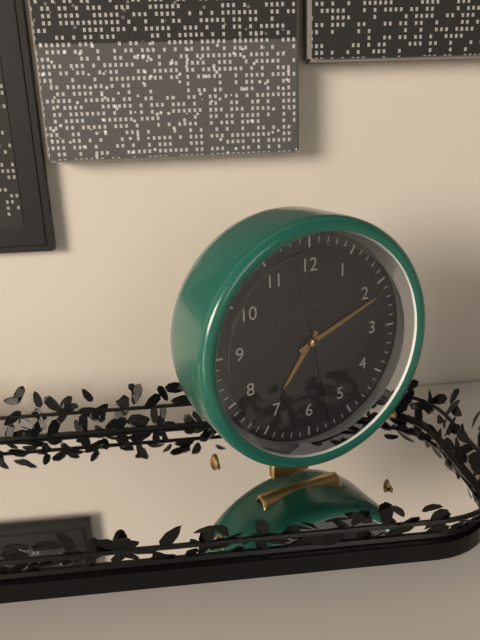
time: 7:11:28
